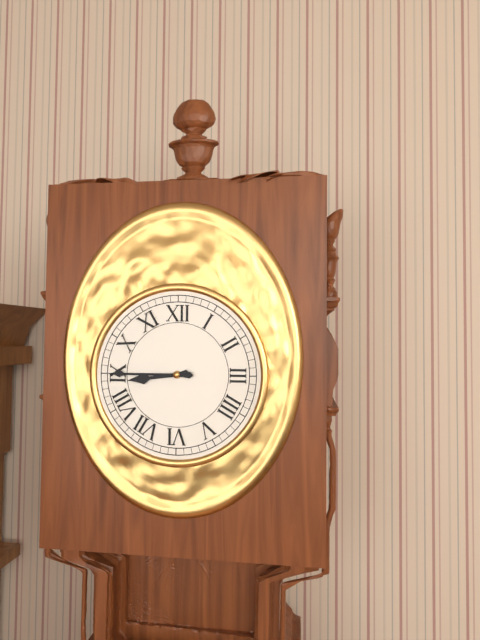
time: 8:45
